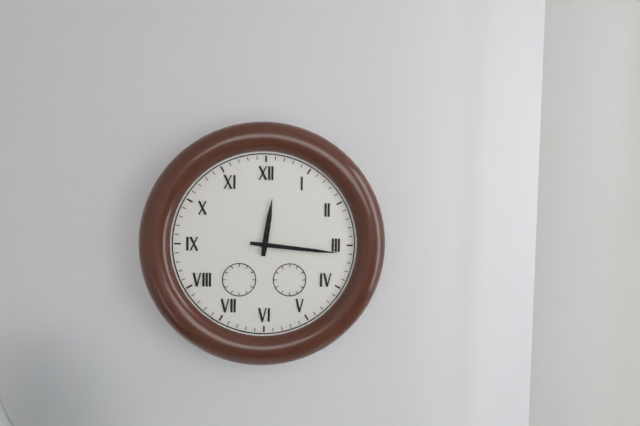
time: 12:16
